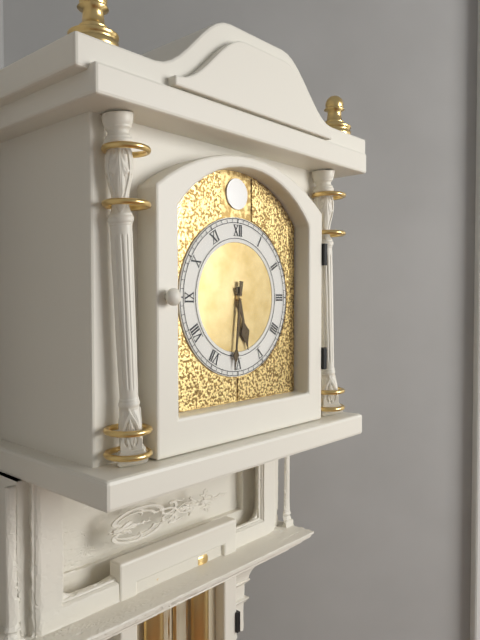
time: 5:31
